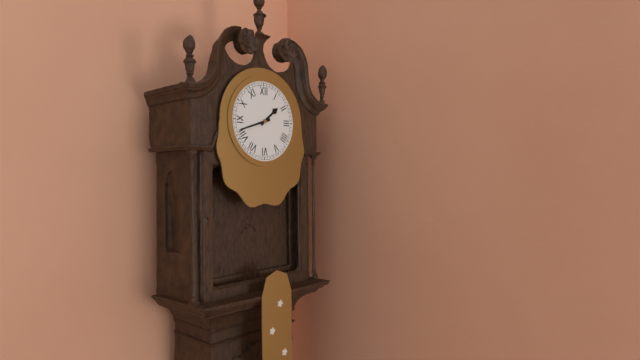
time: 1:42
